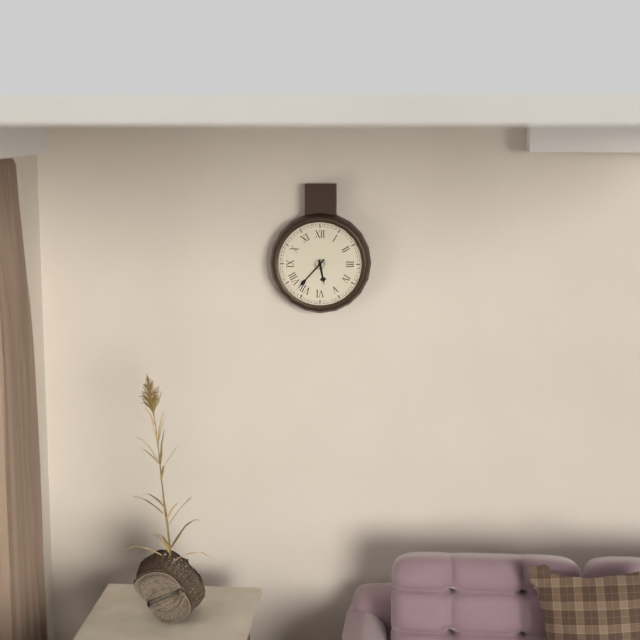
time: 5:37
